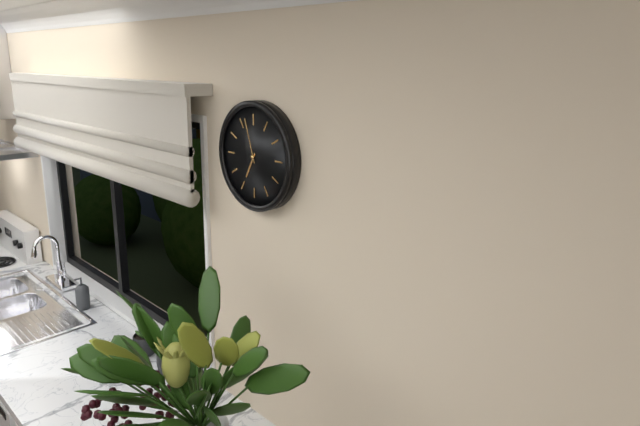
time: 6:57
